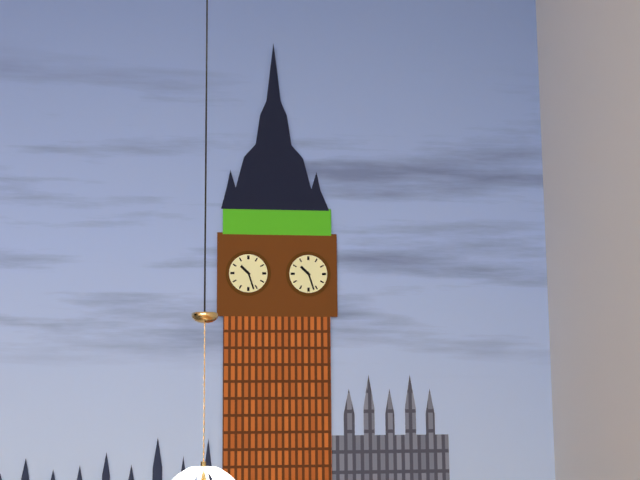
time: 10:27
